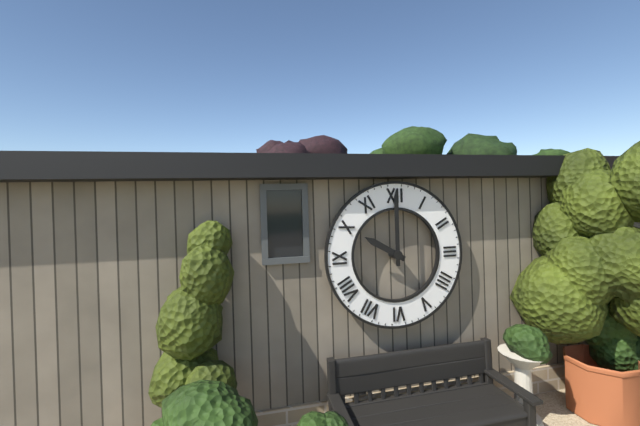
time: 10:00
